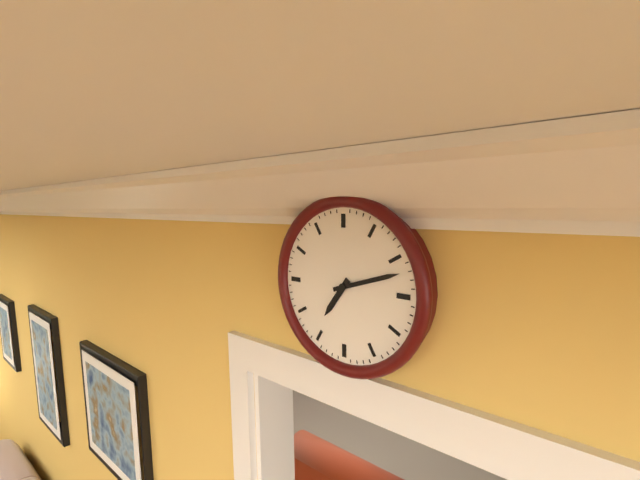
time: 7:12
